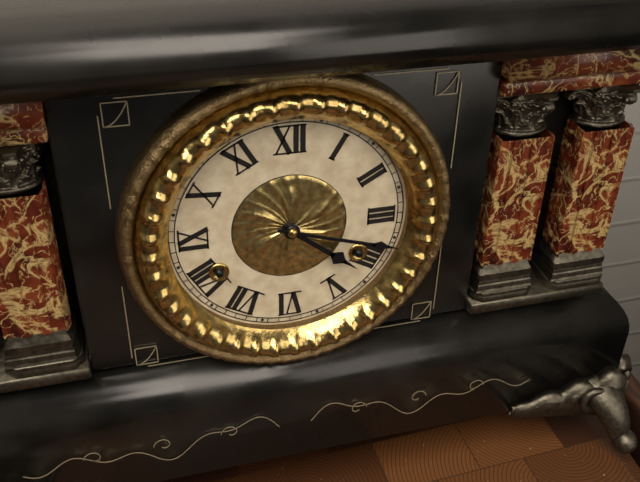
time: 4:18
